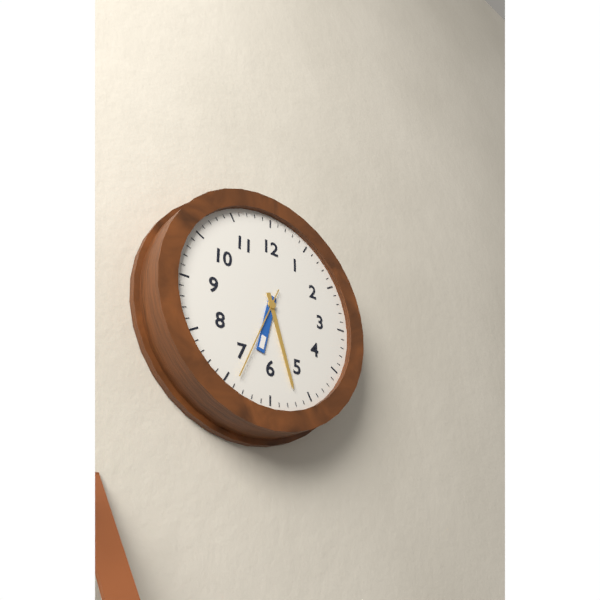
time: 6:27:34
